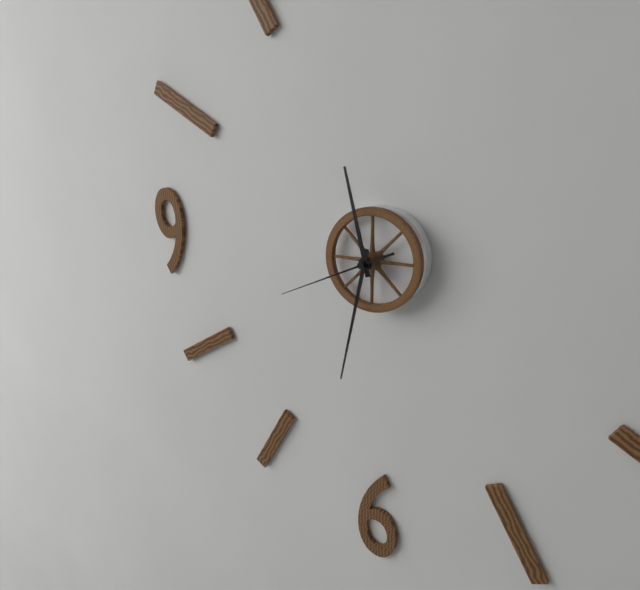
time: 11:32:41
